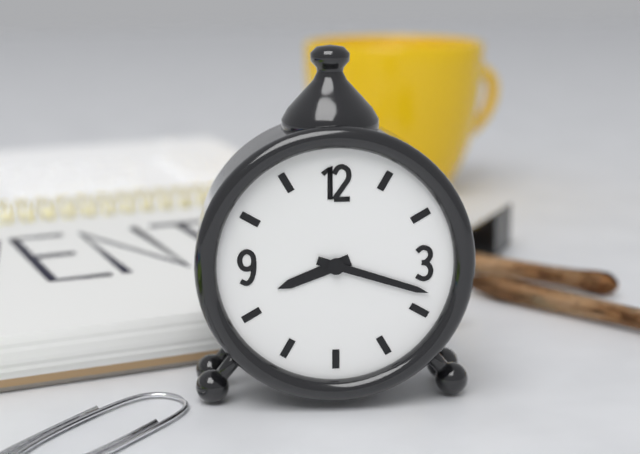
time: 8:18
